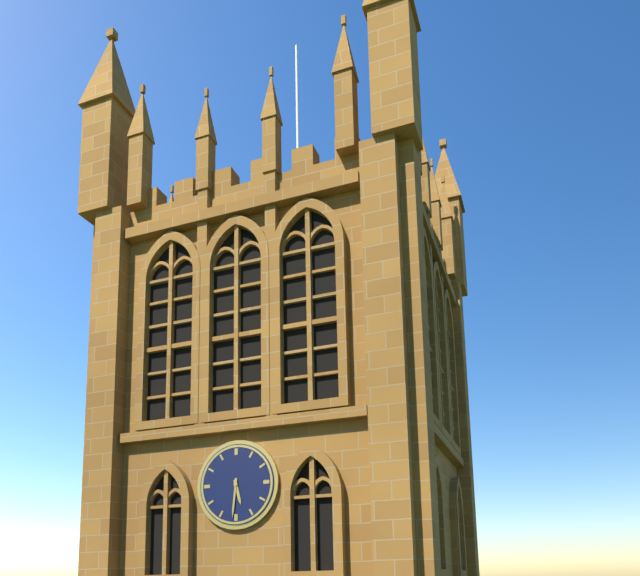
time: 5:31
